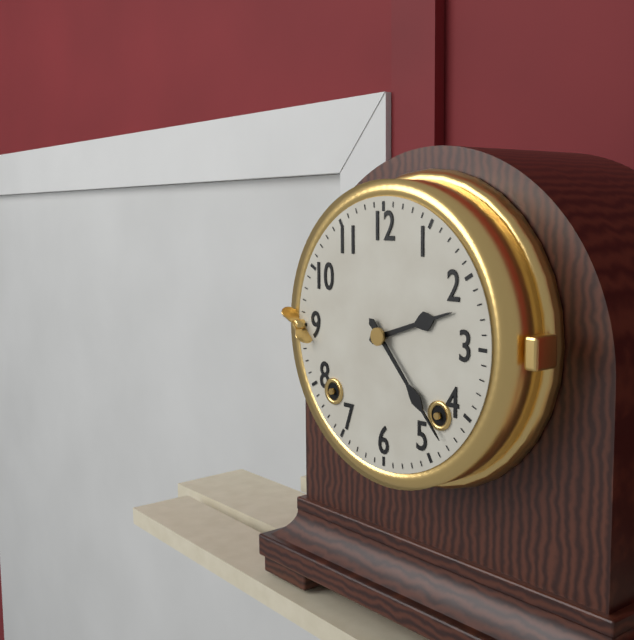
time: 2:23
